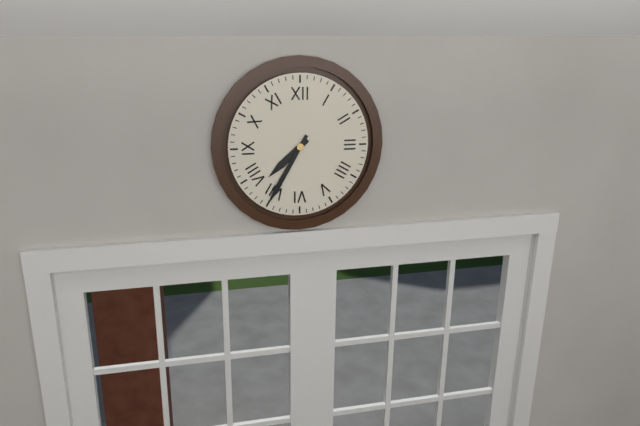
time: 7:35
